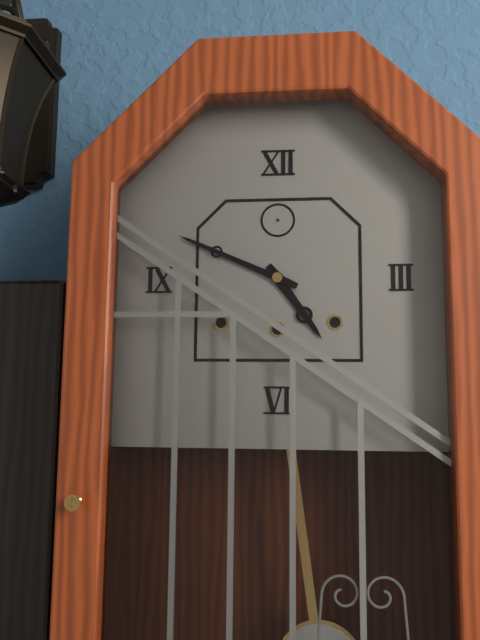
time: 4:49
